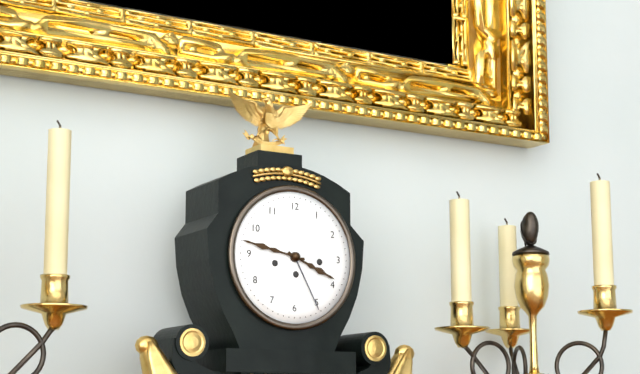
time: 3:47
